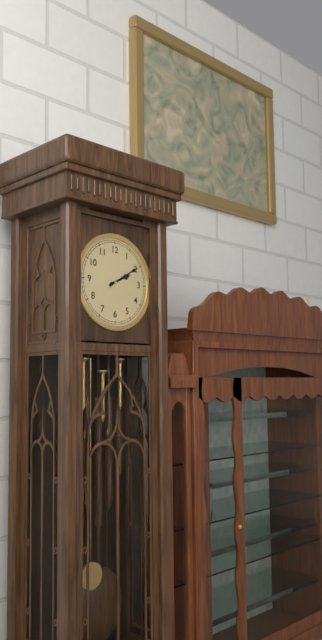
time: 2:10
